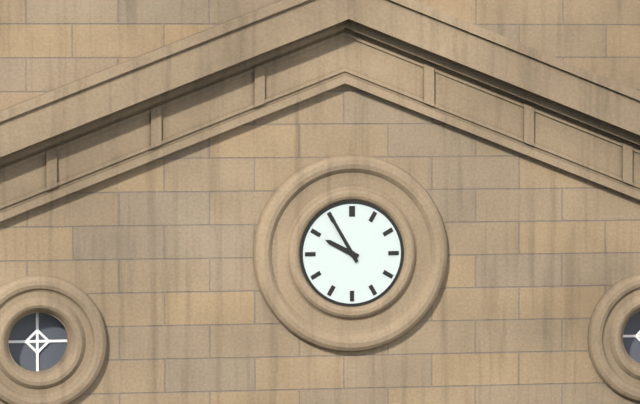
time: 9:55
